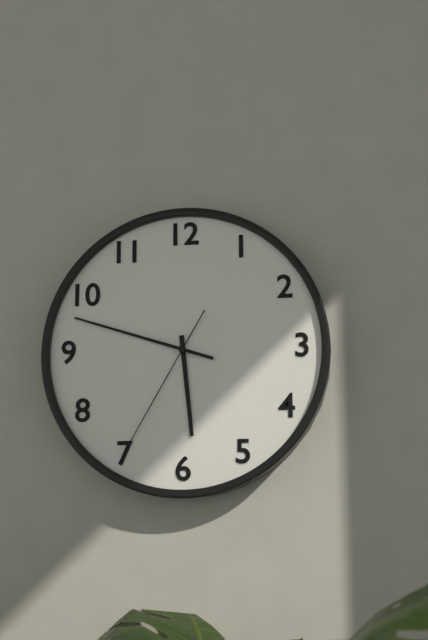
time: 5:48:35
